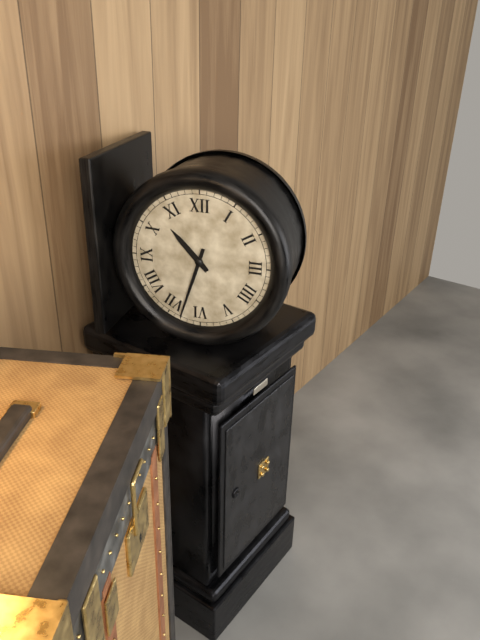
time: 10:33
